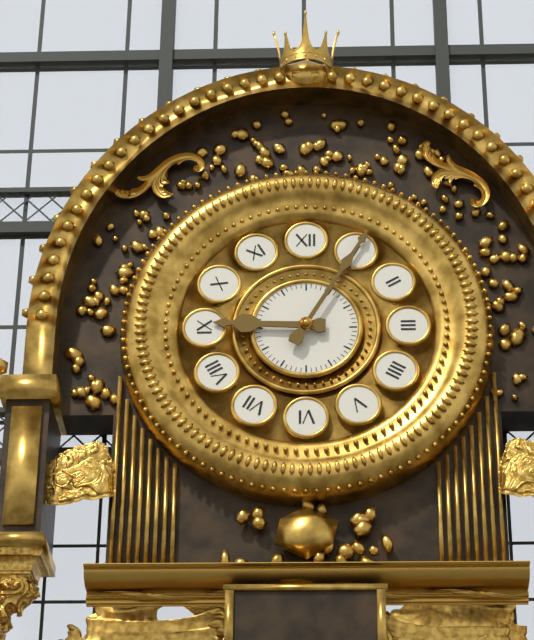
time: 9:05
